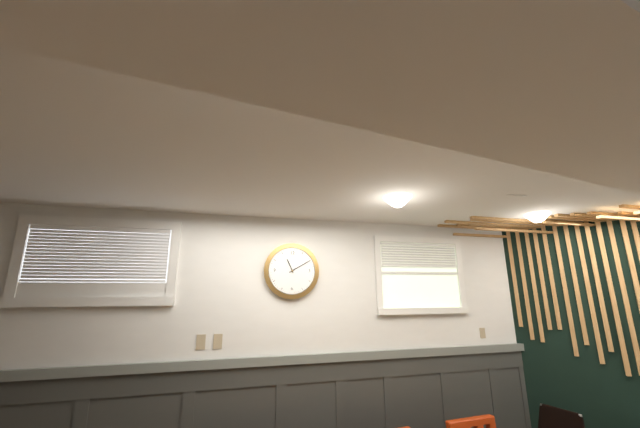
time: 11:10
